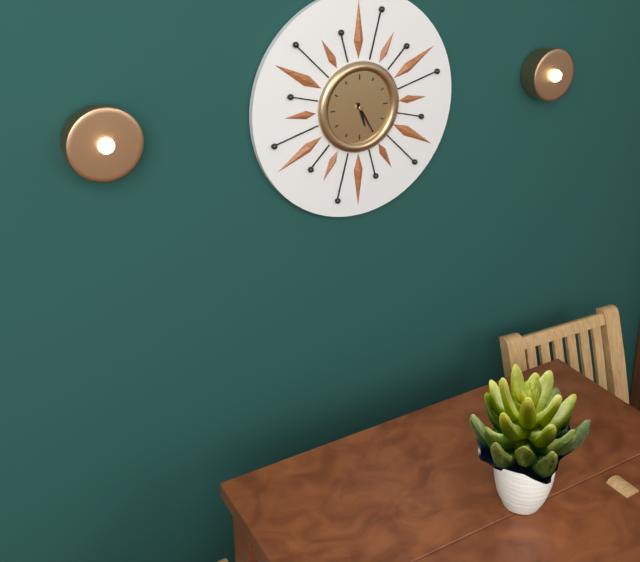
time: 5:25
